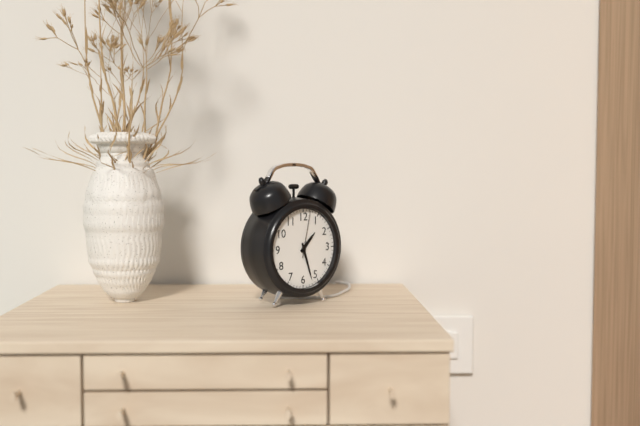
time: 1:27
